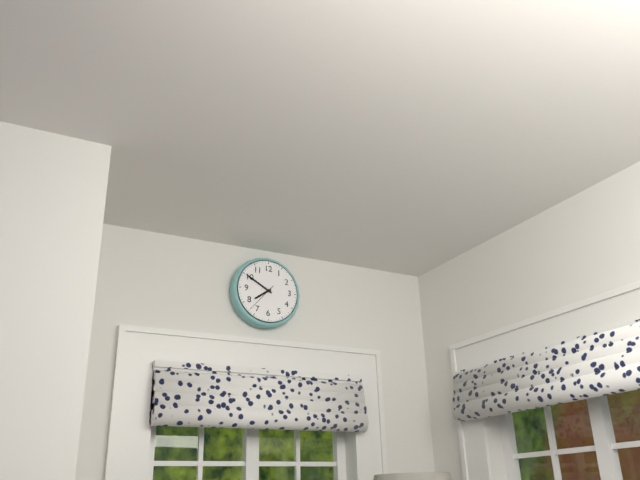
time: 7:50
